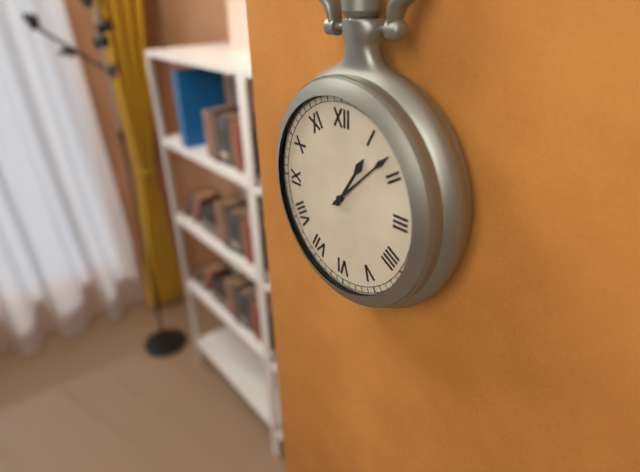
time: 1:08
